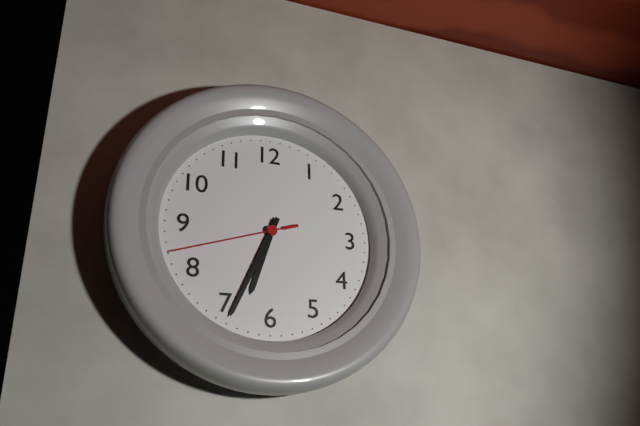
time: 6:34:42
